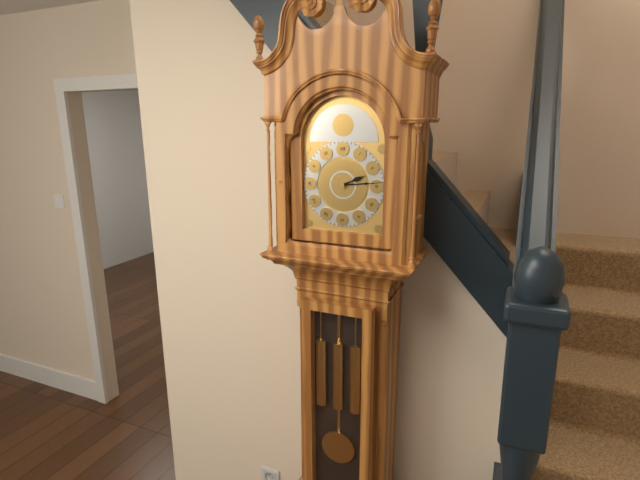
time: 2:14
